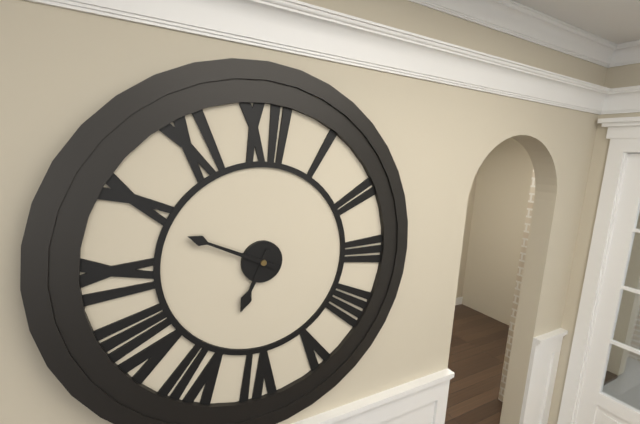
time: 6:49
